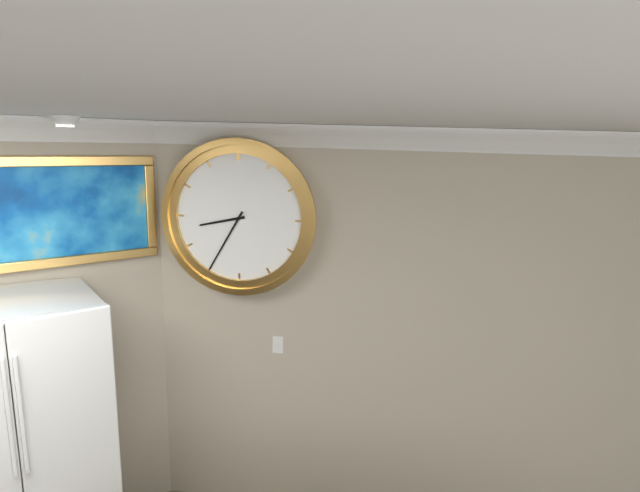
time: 8:35
